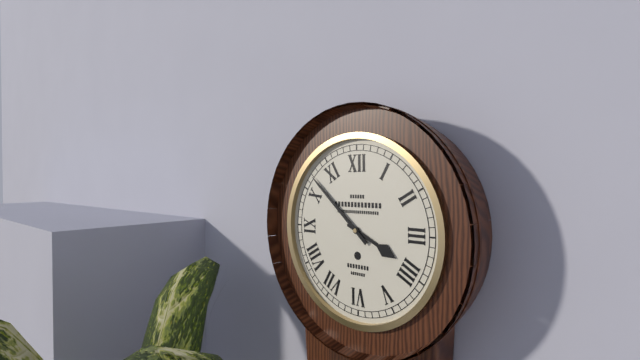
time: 3:52
